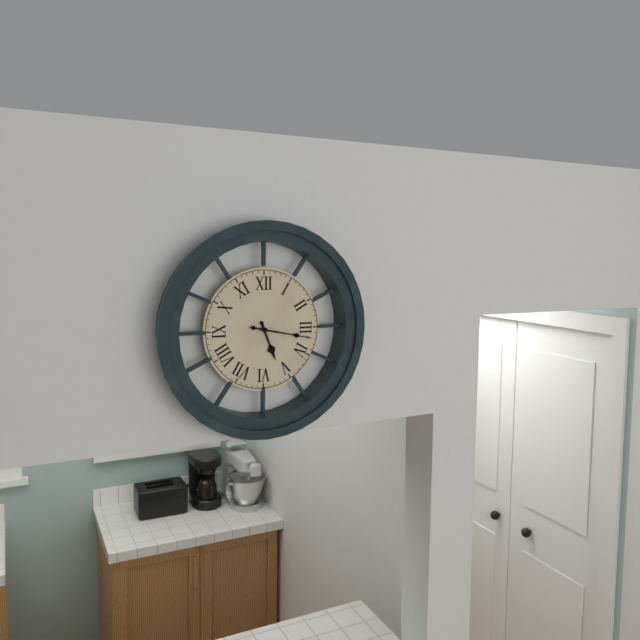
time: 5:17
